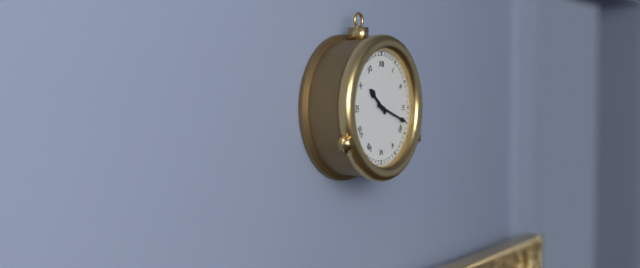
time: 10:18
